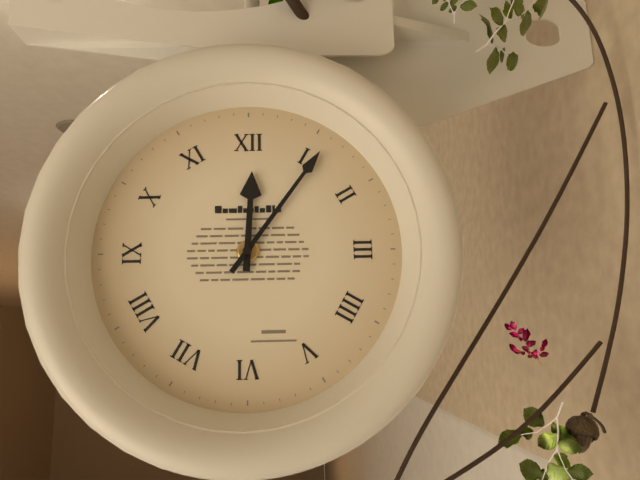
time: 12:06
